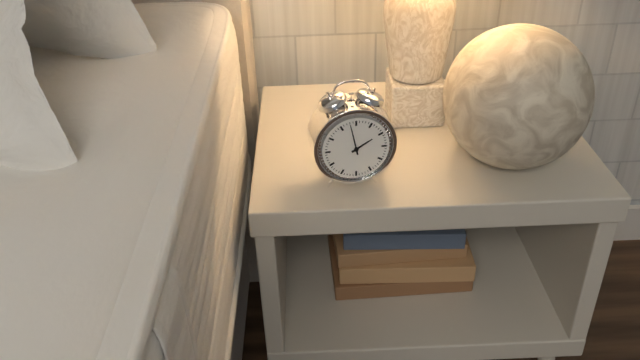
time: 1:58
